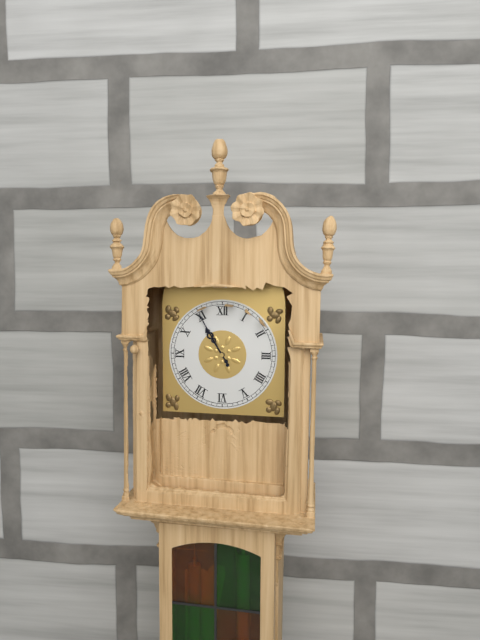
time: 10:55
